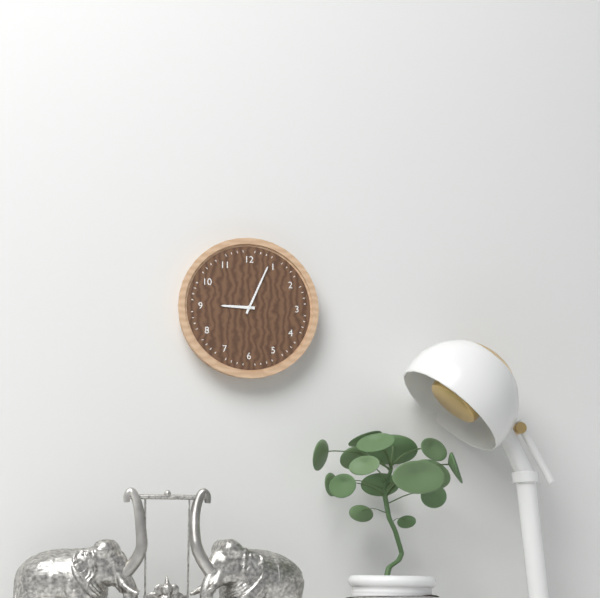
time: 9:04
